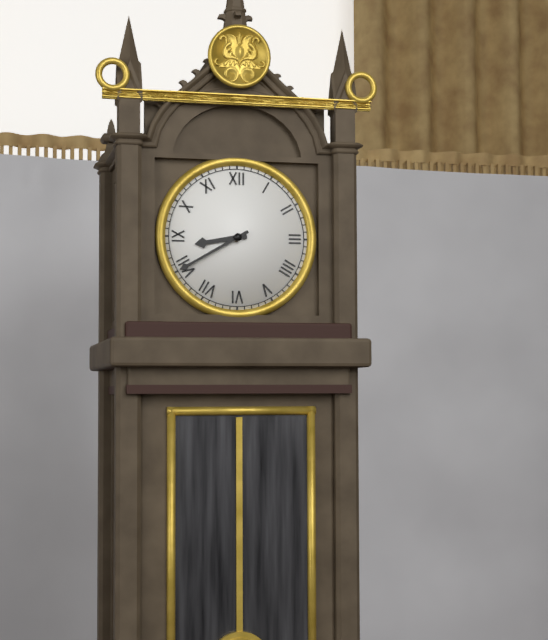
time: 8:40
